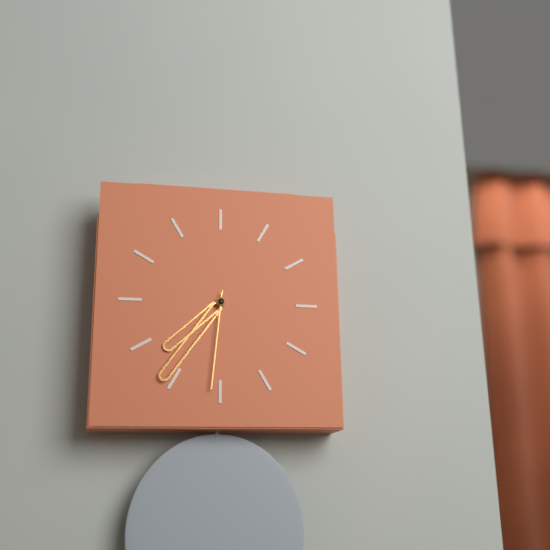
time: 7:36:31
